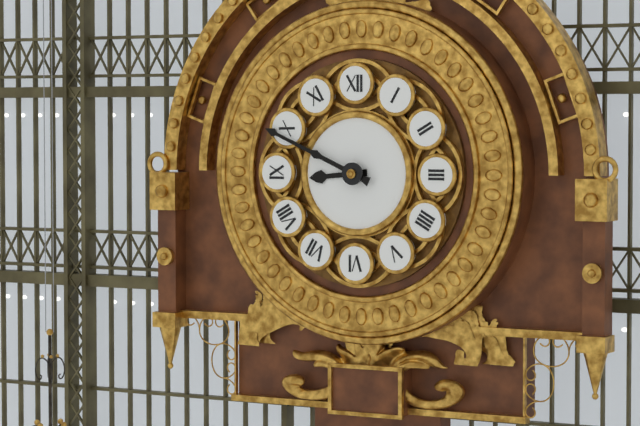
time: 8:49
